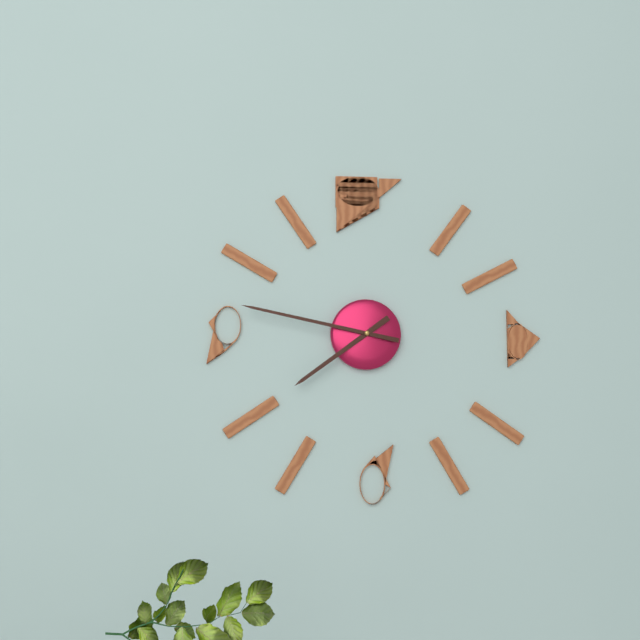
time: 7:47
